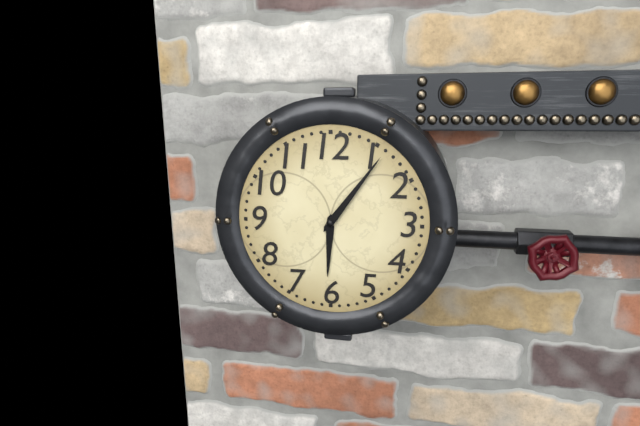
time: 6:06
